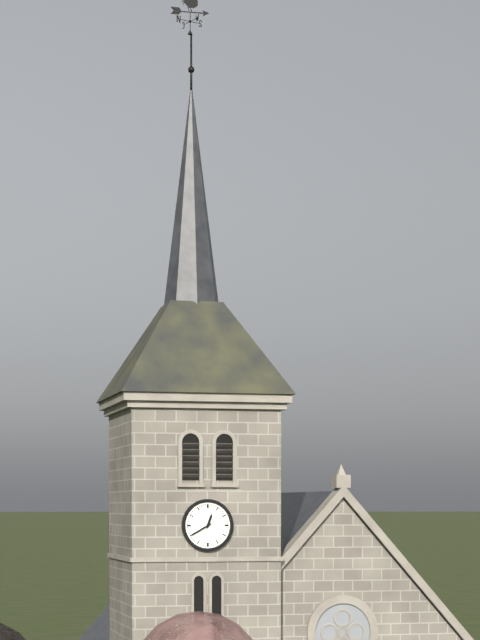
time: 12:40
